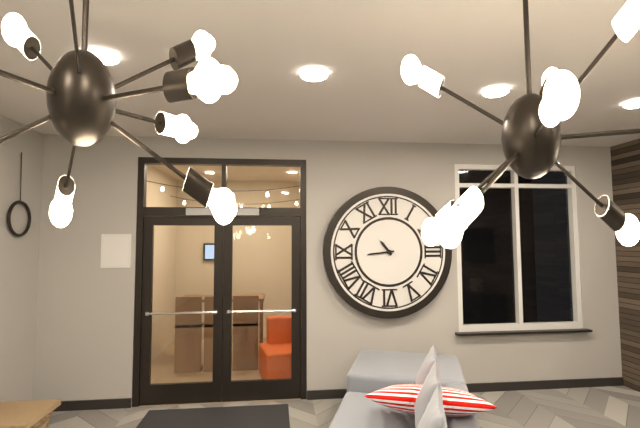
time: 10:44
